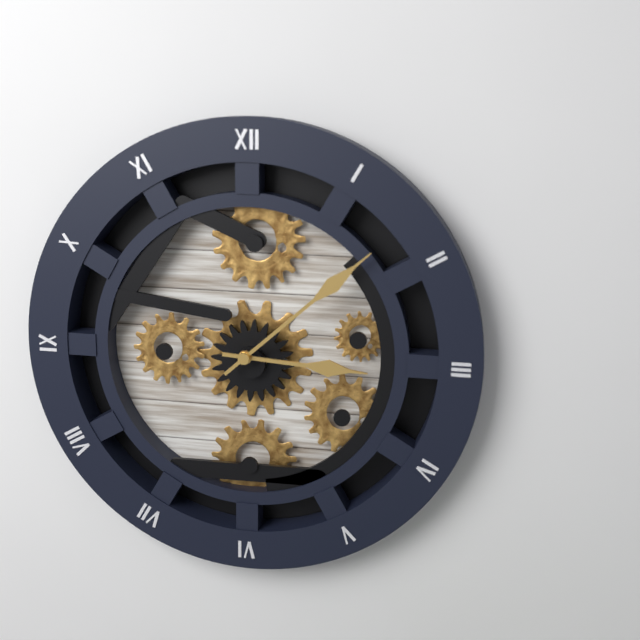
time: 3:08
